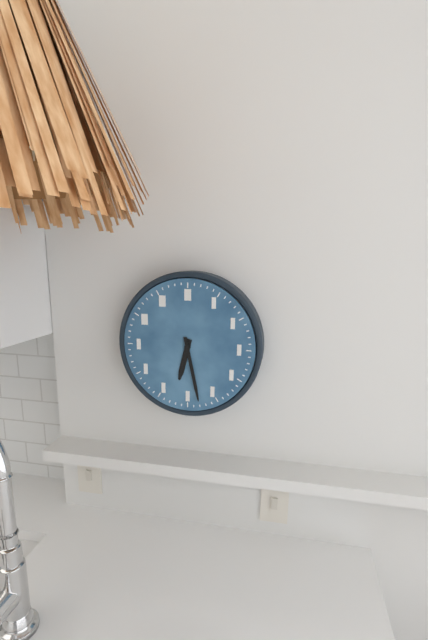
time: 6:28
